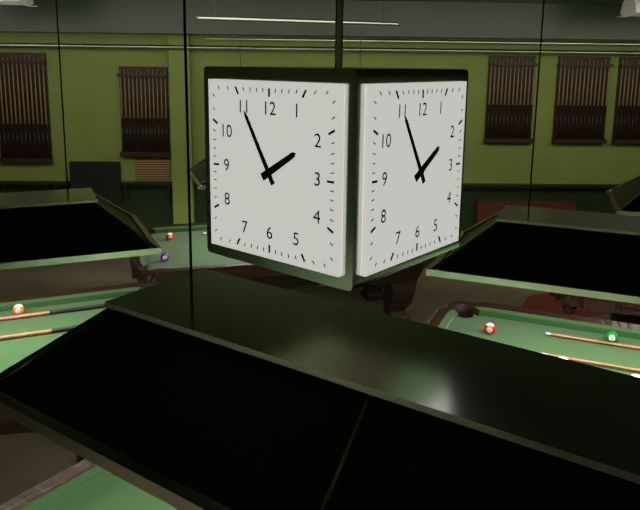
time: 1:55
